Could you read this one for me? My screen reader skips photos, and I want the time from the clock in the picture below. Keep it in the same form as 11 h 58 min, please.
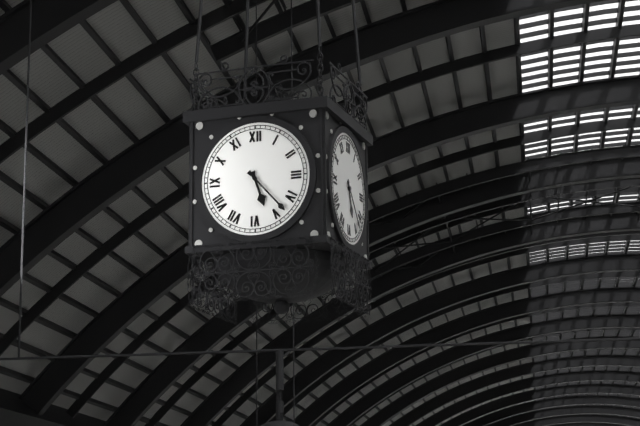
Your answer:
5 h 23 min
